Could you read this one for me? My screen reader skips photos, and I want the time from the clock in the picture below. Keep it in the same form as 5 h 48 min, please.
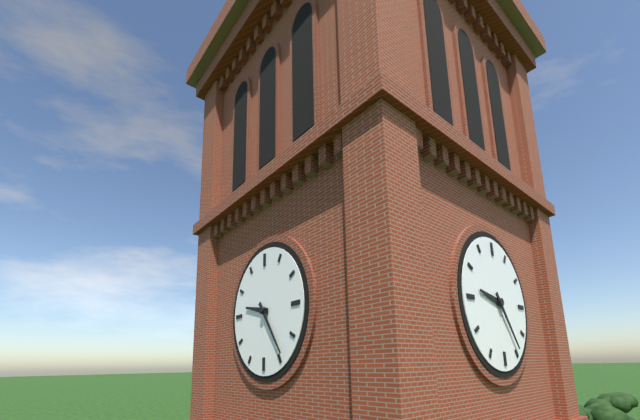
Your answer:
9 h 24 min
